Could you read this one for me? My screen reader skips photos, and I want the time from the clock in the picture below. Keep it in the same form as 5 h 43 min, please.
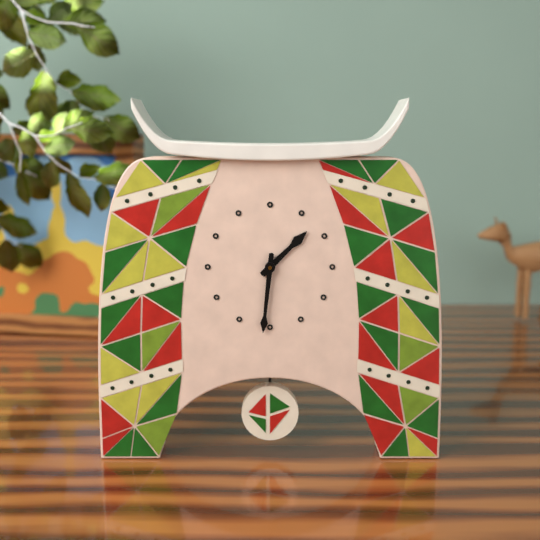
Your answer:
1 h 31 min
